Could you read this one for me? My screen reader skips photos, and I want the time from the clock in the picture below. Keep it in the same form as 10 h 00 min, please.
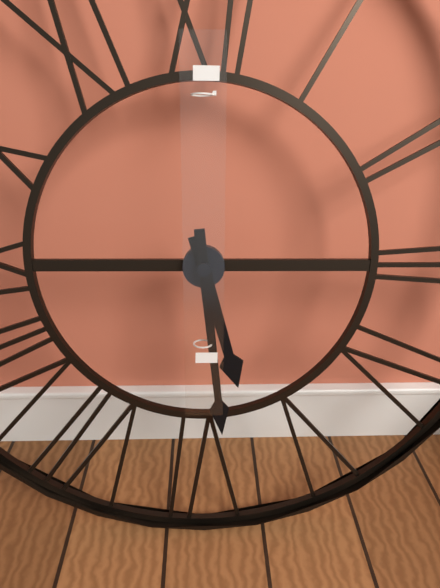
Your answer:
5 h 29 min
